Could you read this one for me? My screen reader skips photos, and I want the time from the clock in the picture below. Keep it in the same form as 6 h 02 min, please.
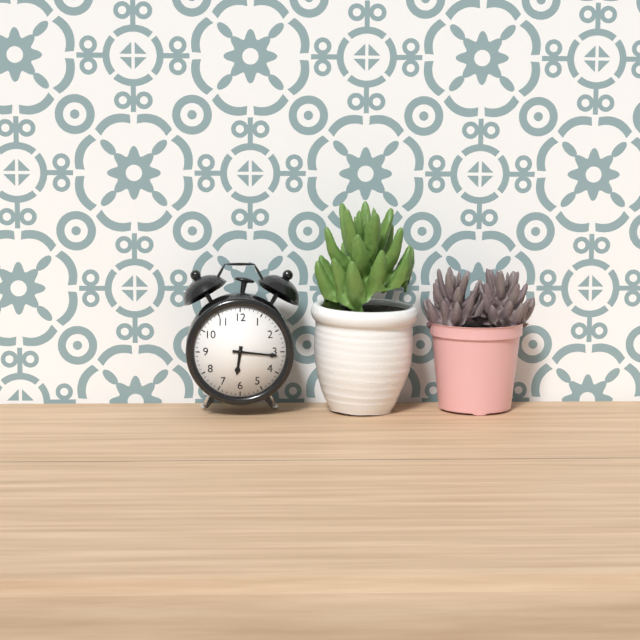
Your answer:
6 h 16 min
